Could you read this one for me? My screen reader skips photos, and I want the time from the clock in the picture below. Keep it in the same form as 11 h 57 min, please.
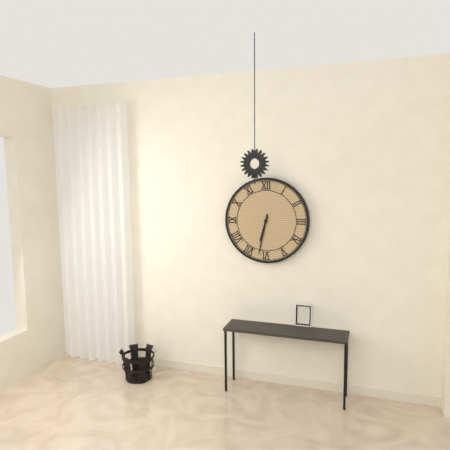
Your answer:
6 h 32 min
